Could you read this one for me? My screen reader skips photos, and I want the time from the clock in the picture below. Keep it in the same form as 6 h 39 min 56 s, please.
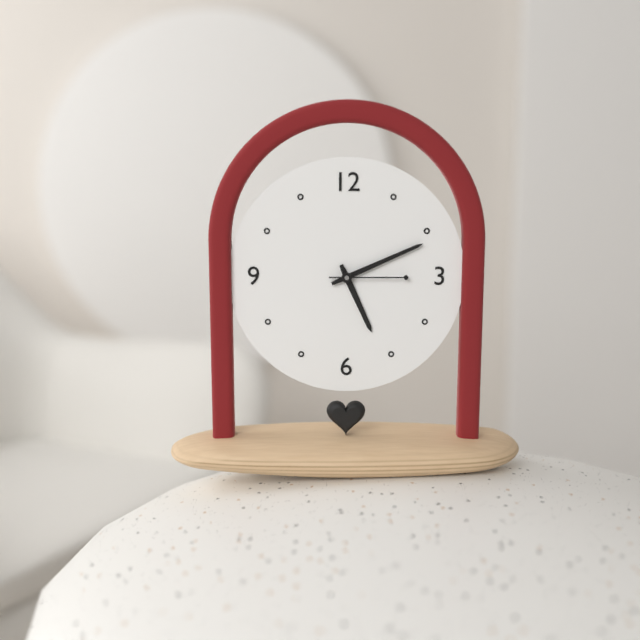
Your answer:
5 h 11 min 15 s
